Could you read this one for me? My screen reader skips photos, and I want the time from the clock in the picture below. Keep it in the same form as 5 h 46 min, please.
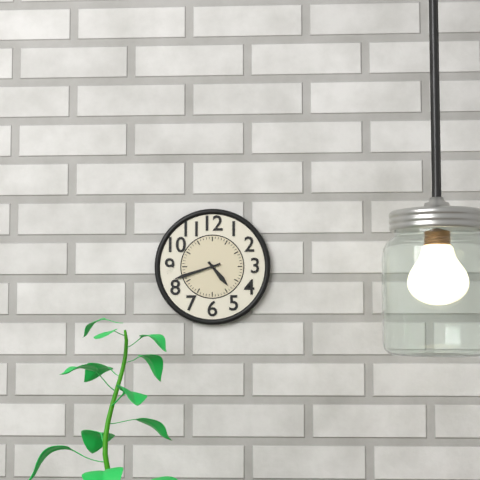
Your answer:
4 h 42 min
